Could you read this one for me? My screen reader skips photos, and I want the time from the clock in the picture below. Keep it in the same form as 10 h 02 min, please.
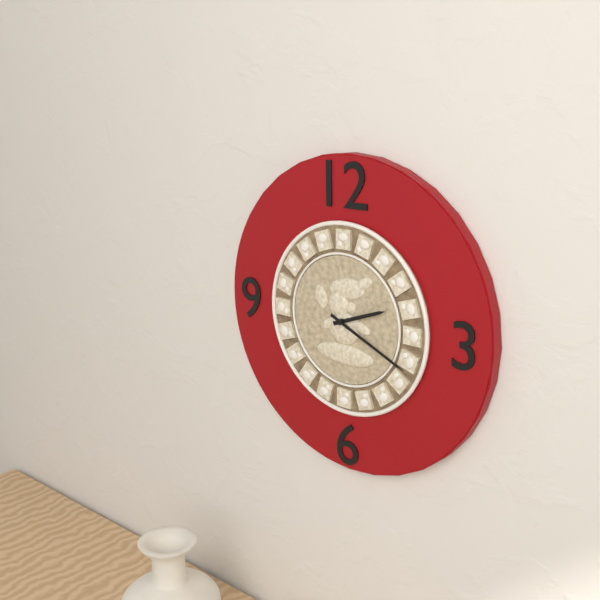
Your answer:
2 h 19 min
